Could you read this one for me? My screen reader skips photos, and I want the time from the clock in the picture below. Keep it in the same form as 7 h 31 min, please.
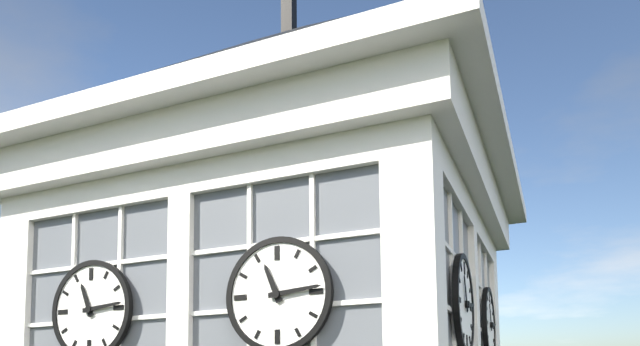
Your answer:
11 h 14 min
